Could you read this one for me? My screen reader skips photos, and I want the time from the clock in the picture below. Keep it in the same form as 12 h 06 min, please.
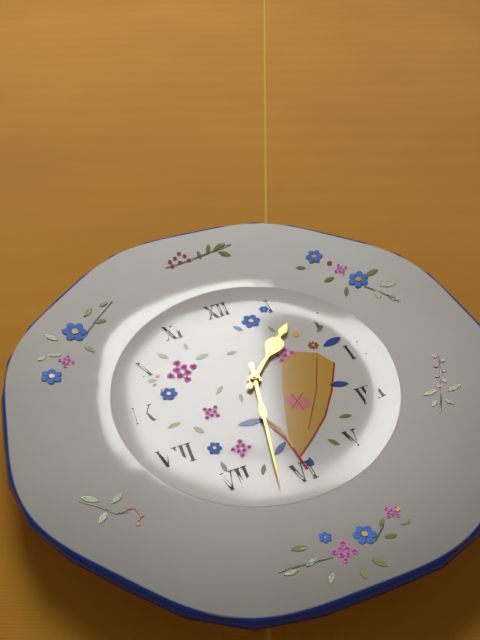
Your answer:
1 h 32 min
